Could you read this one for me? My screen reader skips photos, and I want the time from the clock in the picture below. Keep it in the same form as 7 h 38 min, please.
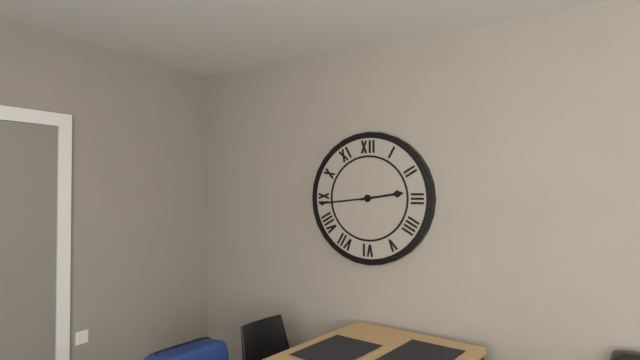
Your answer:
2 h 44 min
